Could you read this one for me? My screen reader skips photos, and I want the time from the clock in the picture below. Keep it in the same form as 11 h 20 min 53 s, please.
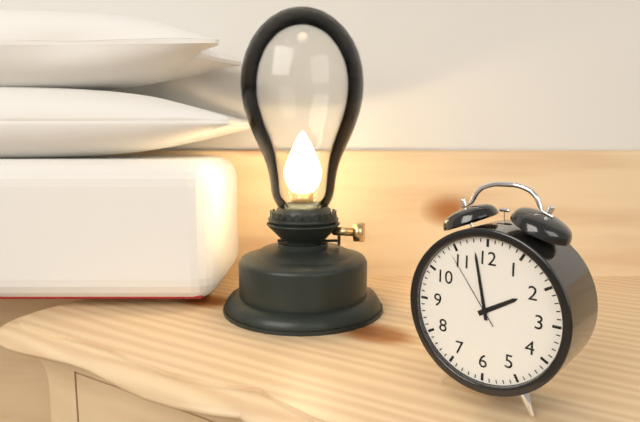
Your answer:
1 h 58 min 54 s
